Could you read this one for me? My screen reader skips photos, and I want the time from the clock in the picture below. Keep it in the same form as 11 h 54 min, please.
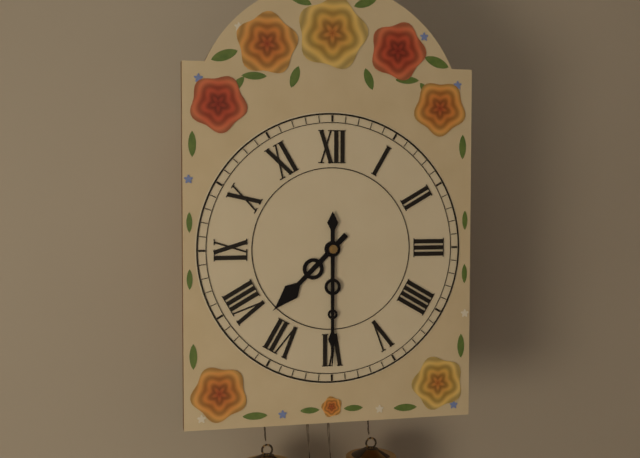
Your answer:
7 h 30 min
